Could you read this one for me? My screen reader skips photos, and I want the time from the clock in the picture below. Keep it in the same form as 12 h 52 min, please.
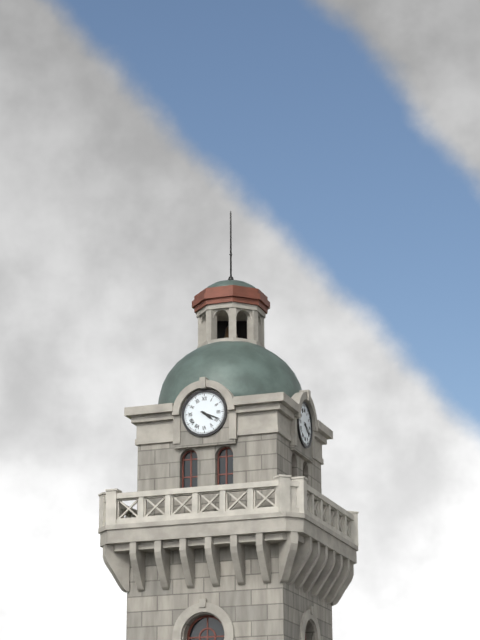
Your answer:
4 h 19 min
